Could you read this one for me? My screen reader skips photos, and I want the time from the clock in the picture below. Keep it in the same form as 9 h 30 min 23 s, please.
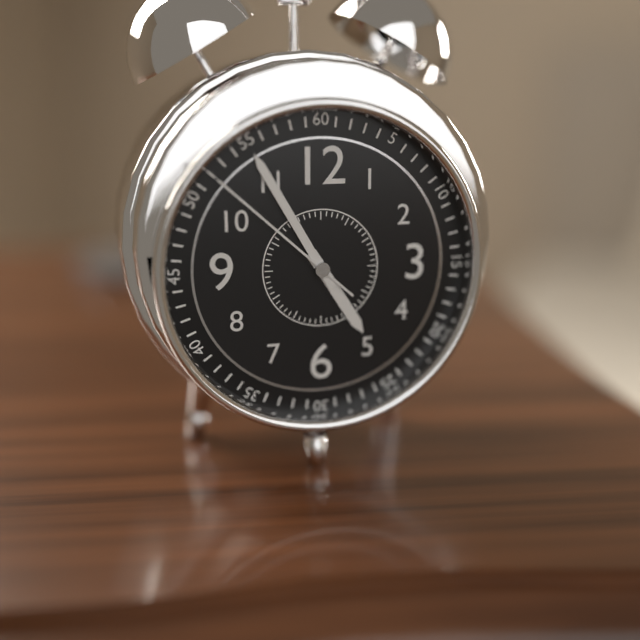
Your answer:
4 h 55 min 52 s
